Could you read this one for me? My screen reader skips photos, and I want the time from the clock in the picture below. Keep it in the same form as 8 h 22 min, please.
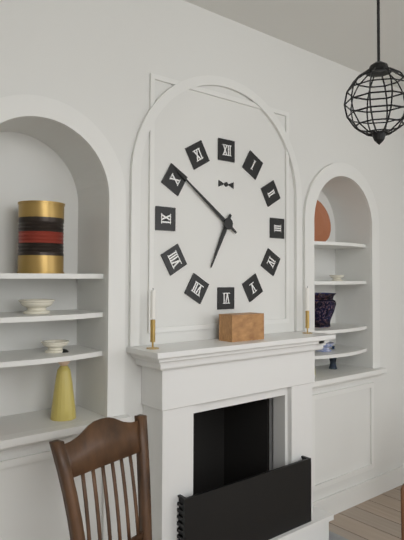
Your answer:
6 h 51 min
